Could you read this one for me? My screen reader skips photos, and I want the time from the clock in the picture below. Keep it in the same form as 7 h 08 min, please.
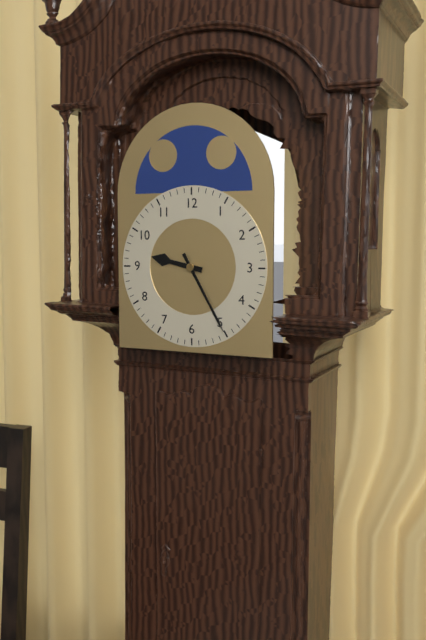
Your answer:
9 h 25 min
